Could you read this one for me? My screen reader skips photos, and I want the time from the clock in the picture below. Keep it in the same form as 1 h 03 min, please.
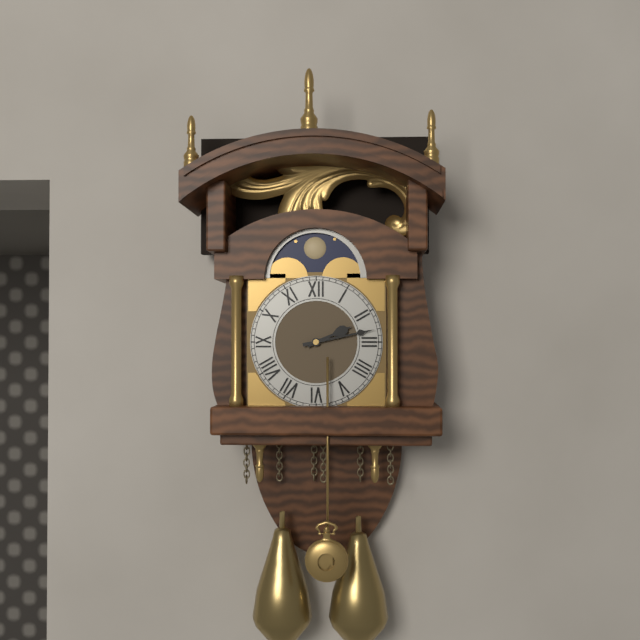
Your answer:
2 h 13 min
